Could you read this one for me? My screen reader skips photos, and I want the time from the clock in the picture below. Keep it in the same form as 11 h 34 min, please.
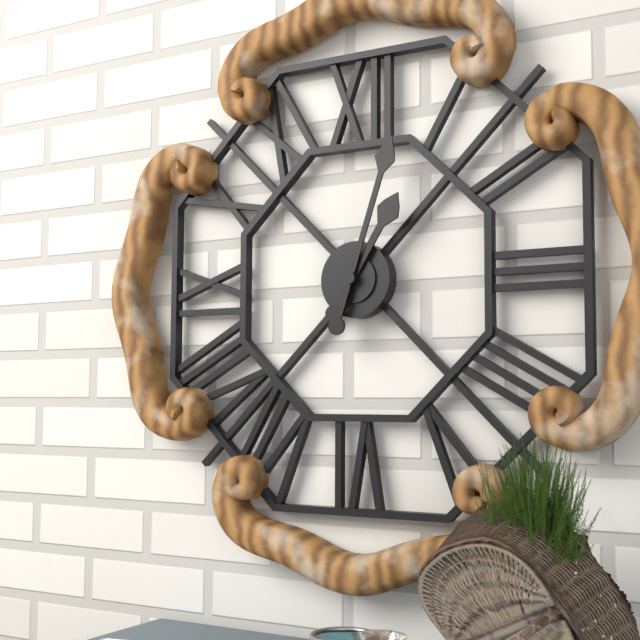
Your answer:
1 h 03 min
